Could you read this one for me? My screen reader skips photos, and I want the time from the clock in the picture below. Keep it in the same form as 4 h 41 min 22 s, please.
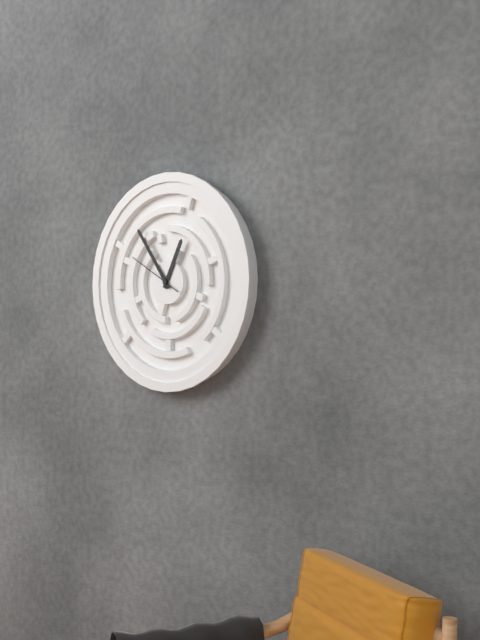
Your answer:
12 h 54 min 50 s
